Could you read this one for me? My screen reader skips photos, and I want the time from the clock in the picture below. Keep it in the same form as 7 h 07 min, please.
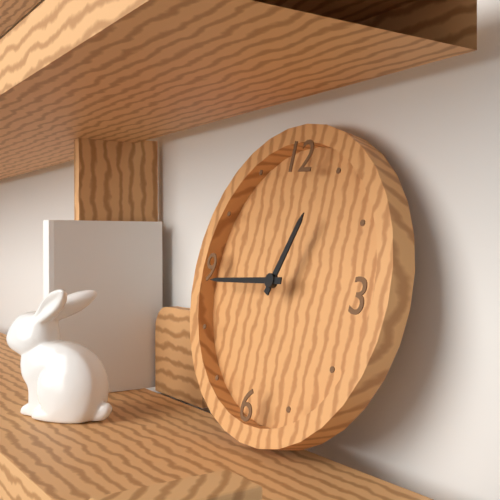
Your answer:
12 h 44 min
